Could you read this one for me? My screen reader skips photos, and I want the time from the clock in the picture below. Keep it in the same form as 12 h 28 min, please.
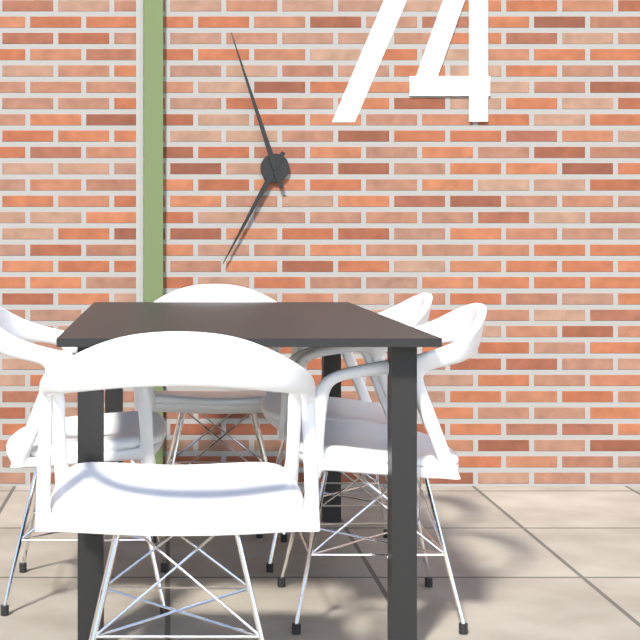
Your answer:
6 h 57 min
